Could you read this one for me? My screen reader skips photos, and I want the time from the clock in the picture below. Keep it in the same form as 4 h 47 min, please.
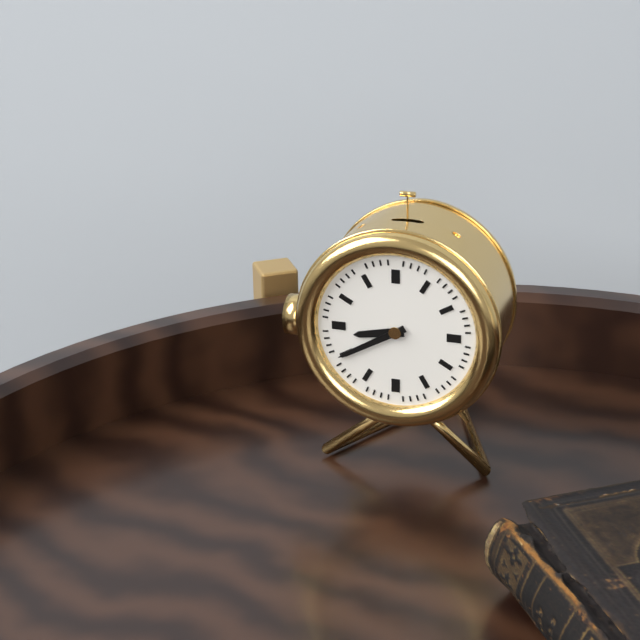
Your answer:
8 h 40 min
